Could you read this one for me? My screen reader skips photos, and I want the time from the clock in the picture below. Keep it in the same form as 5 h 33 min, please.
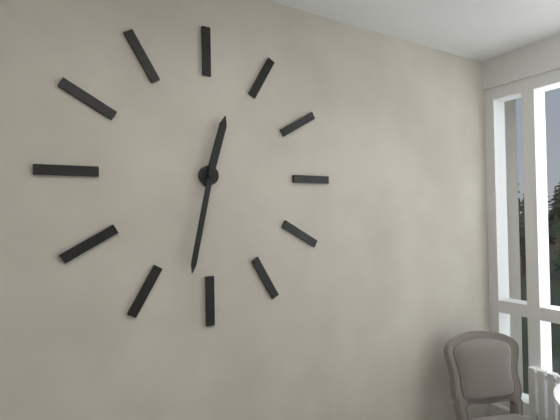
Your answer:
12 h 32 min
